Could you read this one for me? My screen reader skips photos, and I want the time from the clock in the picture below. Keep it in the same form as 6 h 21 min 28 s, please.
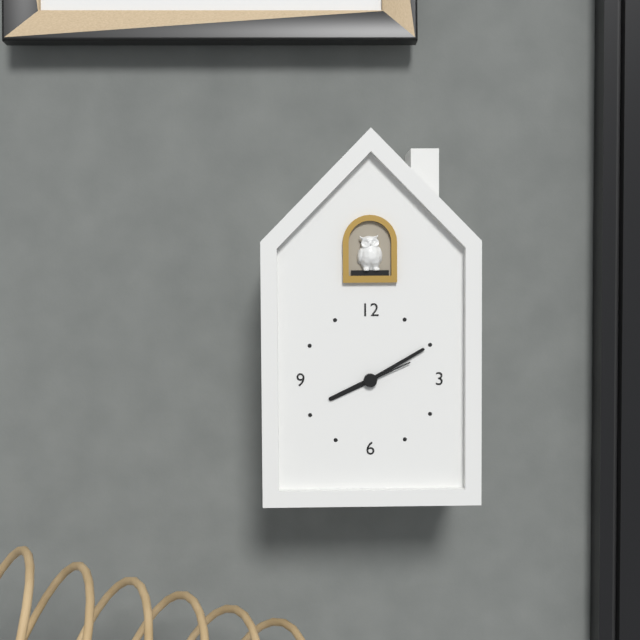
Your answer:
8 h 10 min 11 s
